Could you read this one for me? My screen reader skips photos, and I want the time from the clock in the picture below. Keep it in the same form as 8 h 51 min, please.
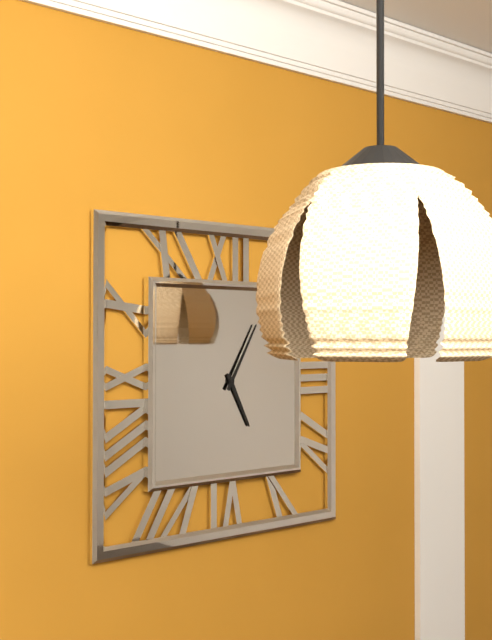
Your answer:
5 h 05 min
